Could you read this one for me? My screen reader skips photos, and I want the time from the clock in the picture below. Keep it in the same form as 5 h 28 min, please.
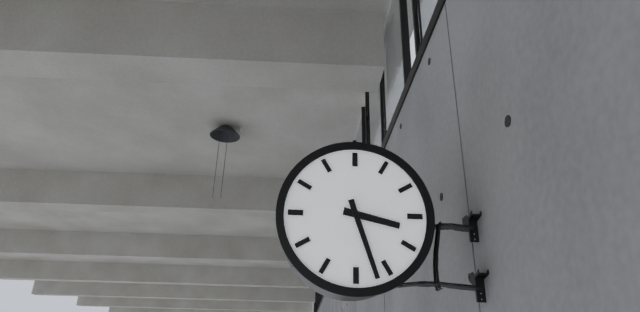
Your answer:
3 h 27 min
